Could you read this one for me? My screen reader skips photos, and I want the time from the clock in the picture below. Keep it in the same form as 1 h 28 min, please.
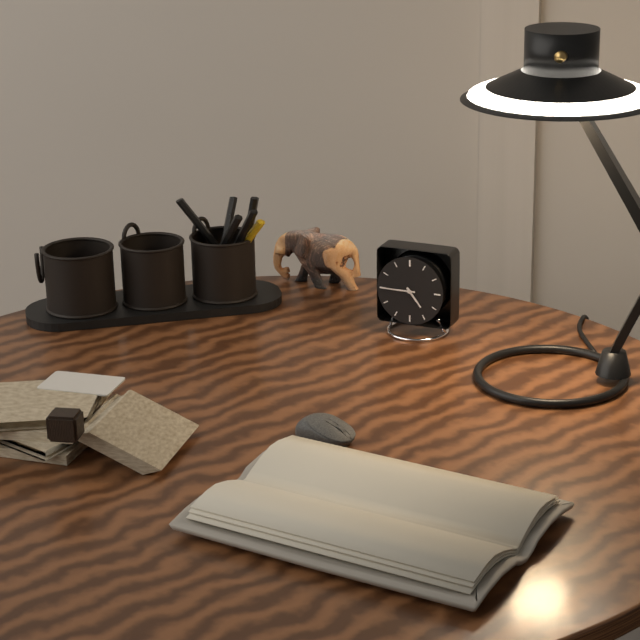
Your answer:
4 h 45 min
